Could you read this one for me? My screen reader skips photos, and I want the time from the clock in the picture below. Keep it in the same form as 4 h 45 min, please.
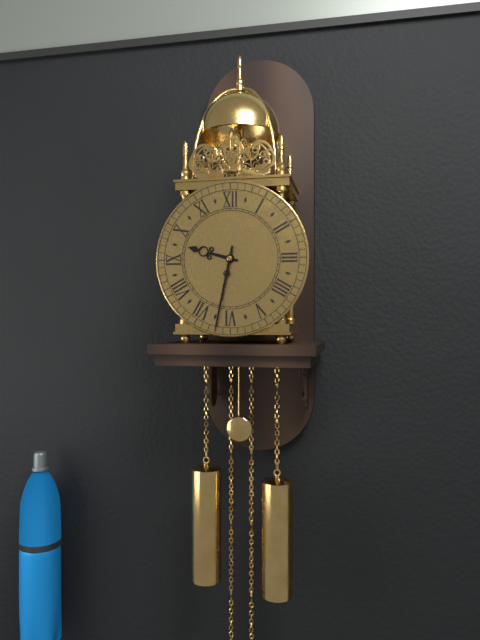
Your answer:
9 h 32 min
